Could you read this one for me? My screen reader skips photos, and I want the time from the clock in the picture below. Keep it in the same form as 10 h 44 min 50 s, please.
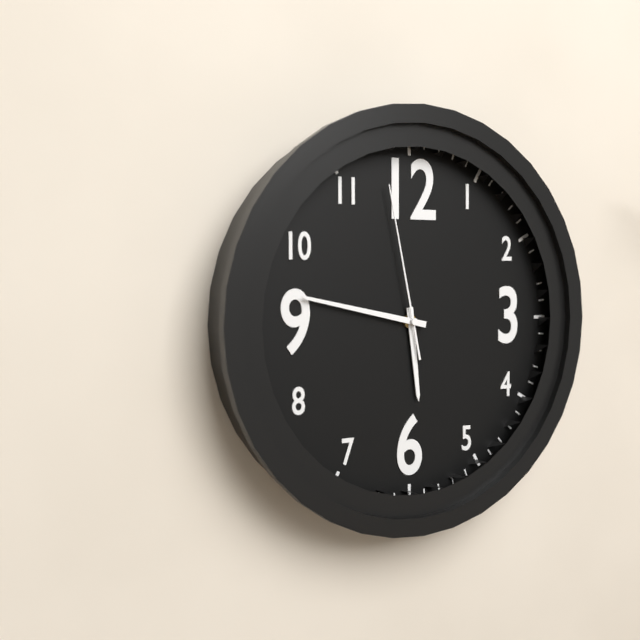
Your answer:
5 h 47 min 58 s
